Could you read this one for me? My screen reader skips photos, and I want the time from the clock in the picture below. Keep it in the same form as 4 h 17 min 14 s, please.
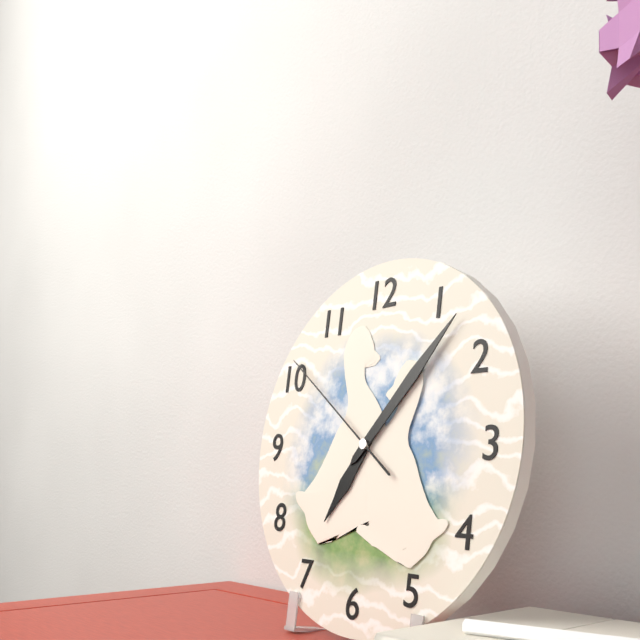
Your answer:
7 h 07 min 51 s
